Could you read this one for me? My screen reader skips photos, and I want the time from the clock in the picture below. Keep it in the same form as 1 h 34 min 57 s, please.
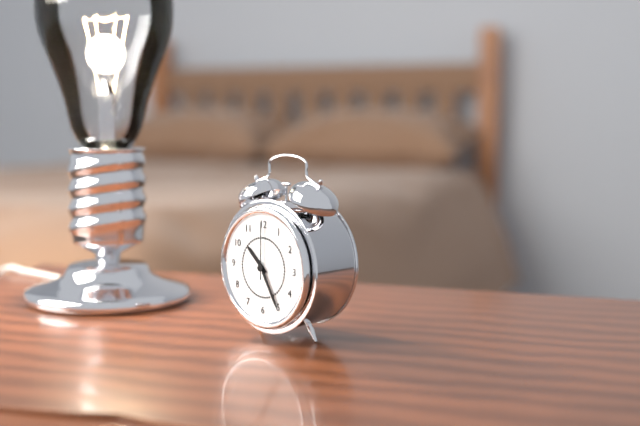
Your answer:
10 h 25 min 00 s
